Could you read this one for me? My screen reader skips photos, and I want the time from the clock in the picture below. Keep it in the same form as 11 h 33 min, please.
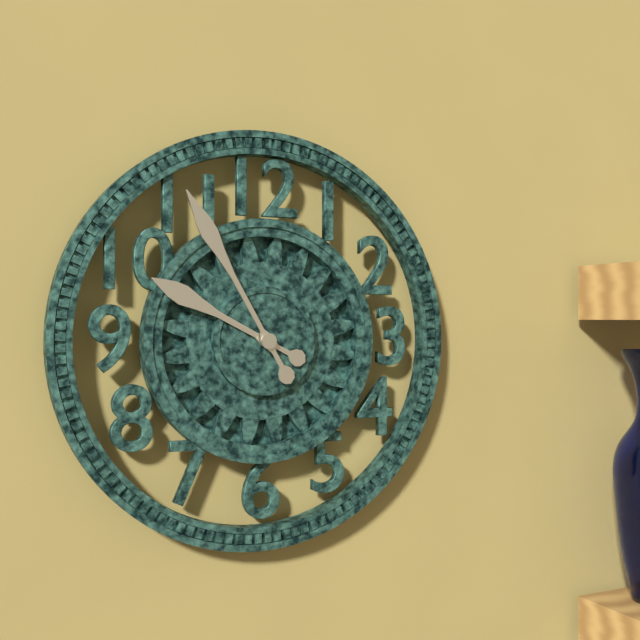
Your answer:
9 h 55 min
